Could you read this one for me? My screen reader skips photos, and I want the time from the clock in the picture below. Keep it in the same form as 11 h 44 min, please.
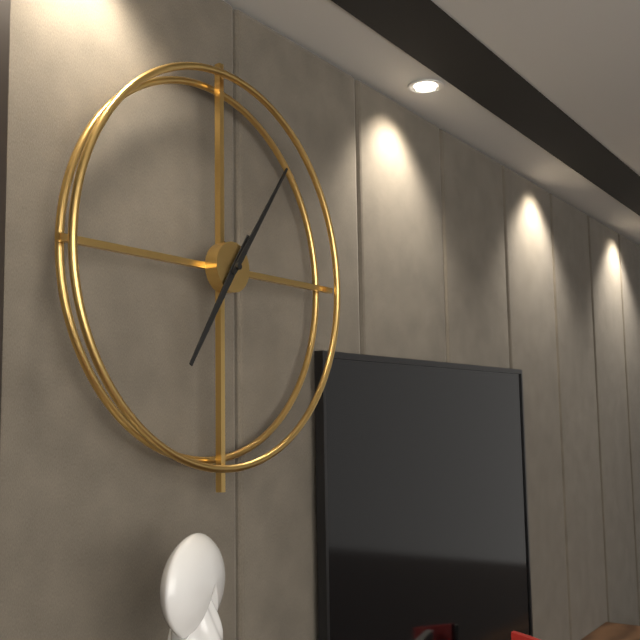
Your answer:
7 h 06 min
